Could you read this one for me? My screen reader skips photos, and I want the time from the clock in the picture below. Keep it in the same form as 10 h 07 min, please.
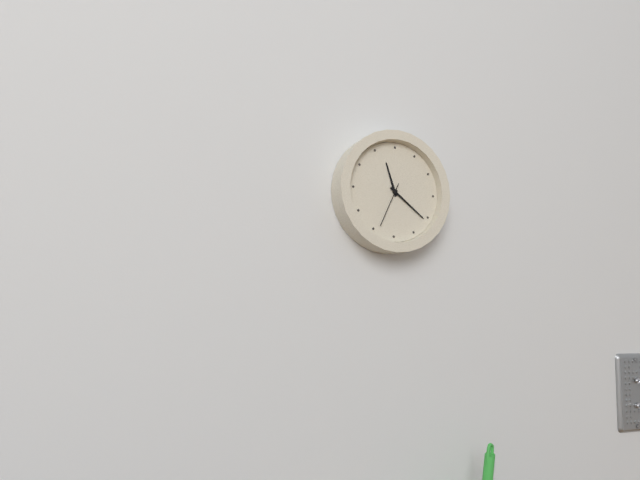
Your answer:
11 h 21 min
